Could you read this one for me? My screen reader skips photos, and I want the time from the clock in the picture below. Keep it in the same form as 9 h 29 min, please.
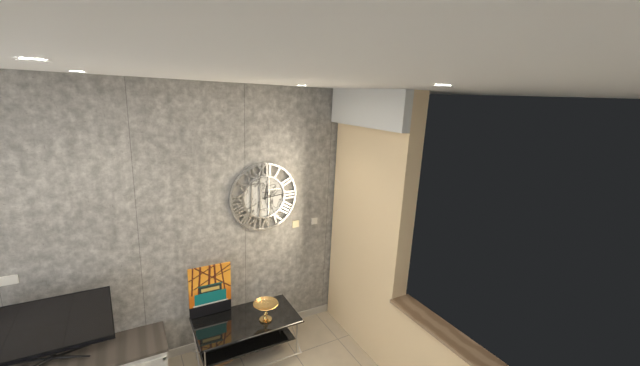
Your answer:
12 h 14 min
